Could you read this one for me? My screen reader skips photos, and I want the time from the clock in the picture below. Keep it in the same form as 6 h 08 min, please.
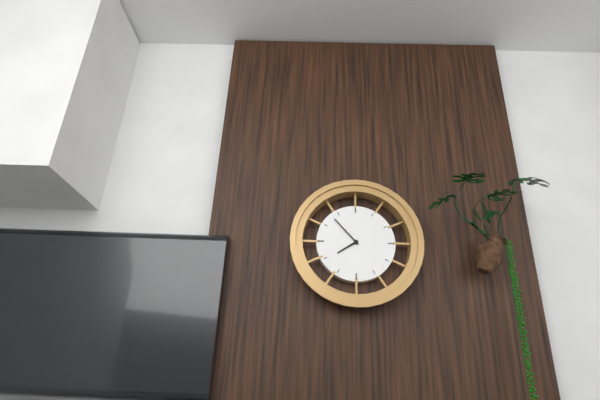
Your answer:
7 h 53 min
